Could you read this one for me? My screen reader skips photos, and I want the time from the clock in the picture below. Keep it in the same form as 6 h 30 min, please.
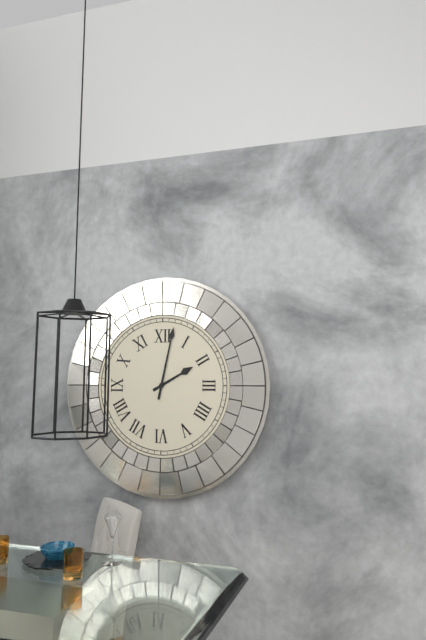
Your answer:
2 h 02 min
